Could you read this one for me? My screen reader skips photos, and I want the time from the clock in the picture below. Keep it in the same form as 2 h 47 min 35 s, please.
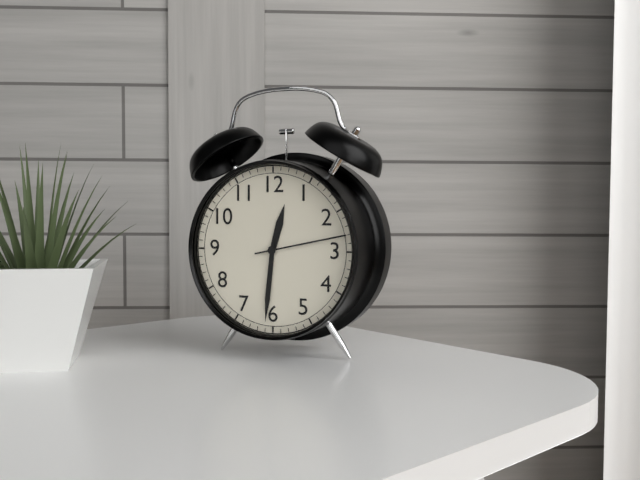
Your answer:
12 h 31 min 13 s
